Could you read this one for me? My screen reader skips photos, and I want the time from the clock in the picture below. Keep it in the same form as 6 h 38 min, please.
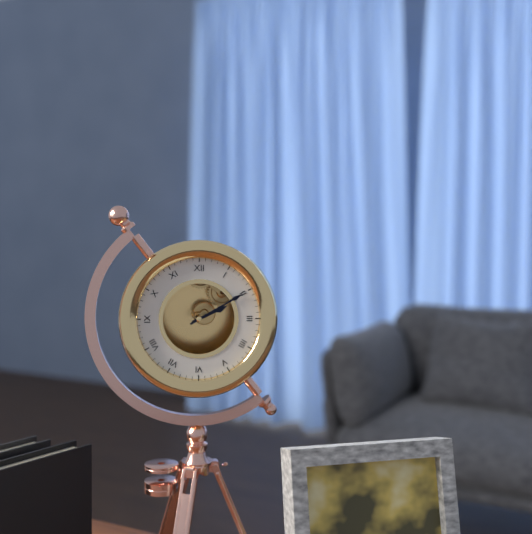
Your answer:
2 h 10 min
